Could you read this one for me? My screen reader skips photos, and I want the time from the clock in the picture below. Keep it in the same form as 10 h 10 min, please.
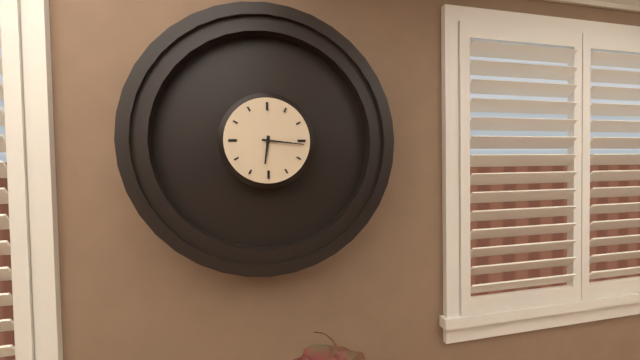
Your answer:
6 h 16 min
